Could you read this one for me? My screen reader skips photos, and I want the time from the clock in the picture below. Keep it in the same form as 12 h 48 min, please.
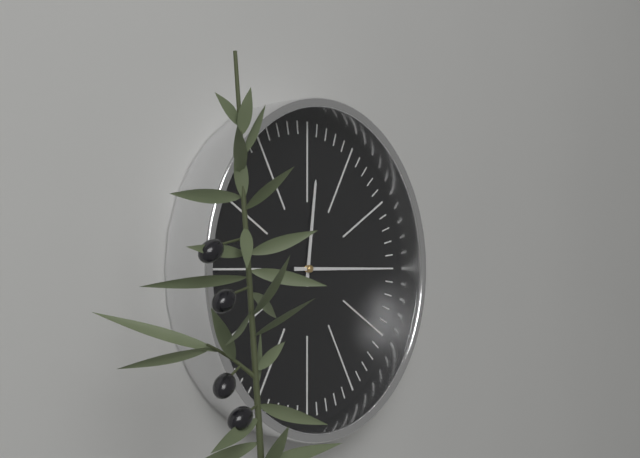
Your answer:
12 h 15 min
